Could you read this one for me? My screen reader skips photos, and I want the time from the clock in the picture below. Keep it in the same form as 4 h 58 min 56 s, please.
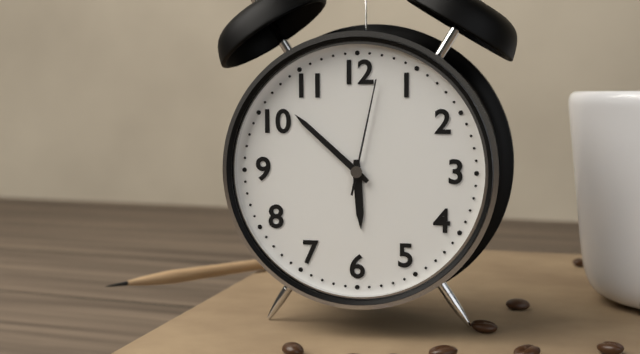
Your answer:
5 h 52 min 02 s
